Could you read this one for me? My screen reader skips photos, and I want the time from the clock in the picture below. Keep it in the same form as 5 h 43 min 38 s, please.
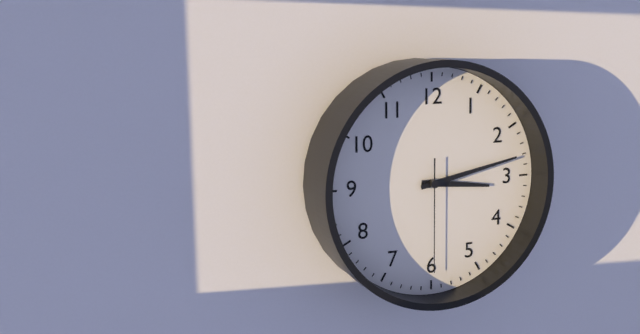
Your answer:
3 h 13 min 30 s
